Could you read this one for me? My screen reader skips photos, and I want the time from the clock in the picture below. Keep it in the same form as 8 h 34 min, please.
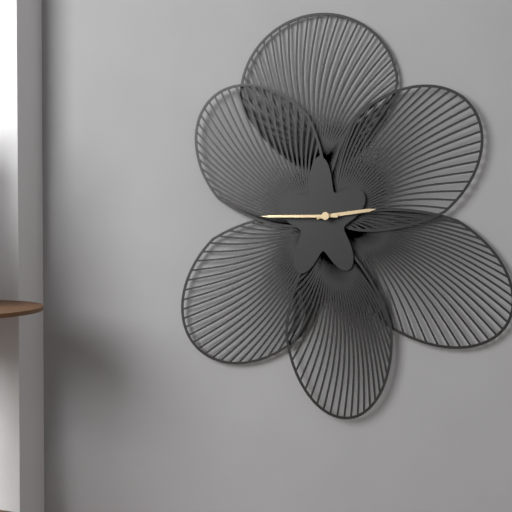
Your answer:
2 h 45 min
